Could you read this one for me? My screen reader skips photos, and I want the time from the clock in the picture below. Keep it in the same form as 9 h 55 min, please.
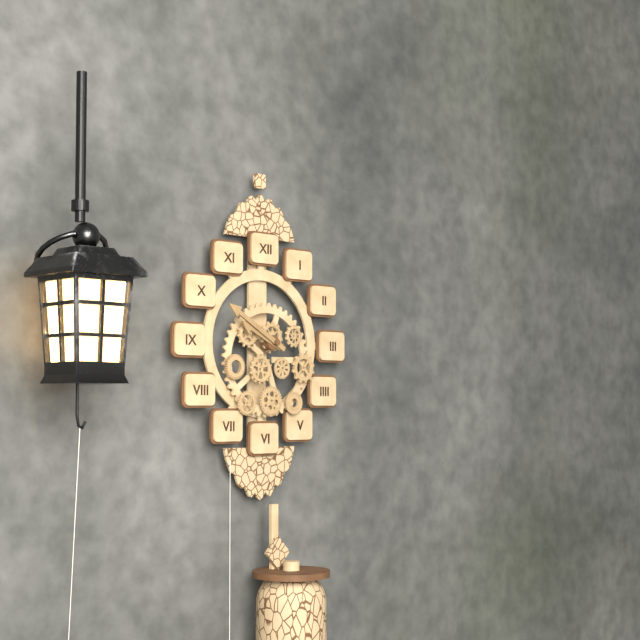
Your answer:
9 h 50 min
